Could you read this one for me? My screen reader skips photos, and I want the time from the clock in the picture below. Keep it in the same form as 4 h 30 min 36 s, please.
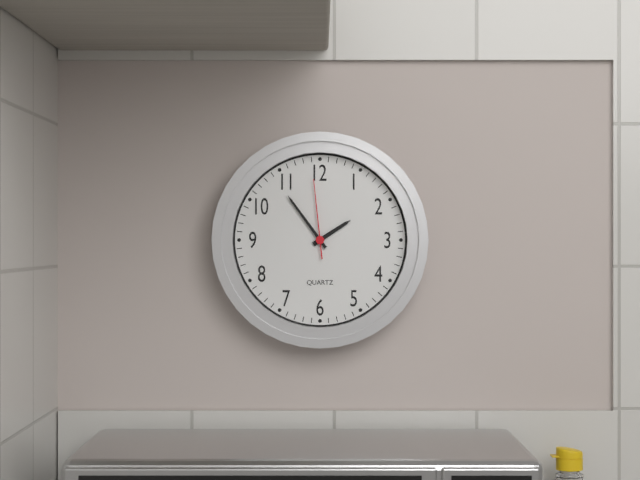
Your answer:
1 h 54 min 59 s
